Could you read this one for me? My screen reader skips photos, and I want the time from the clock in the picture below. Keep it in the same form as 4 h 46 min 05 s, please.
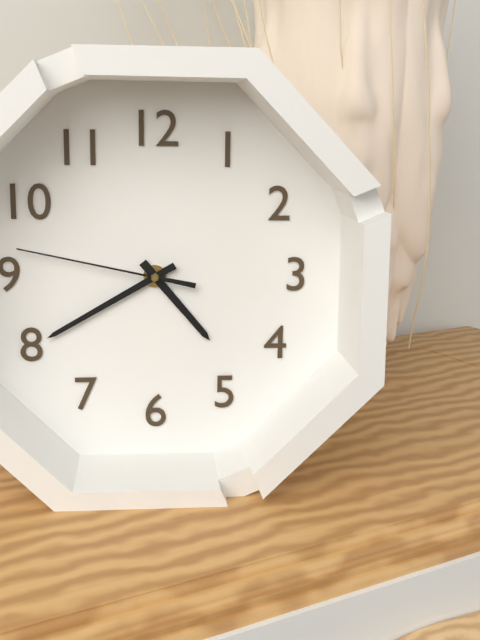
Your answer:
4 h 40 min 47 s
